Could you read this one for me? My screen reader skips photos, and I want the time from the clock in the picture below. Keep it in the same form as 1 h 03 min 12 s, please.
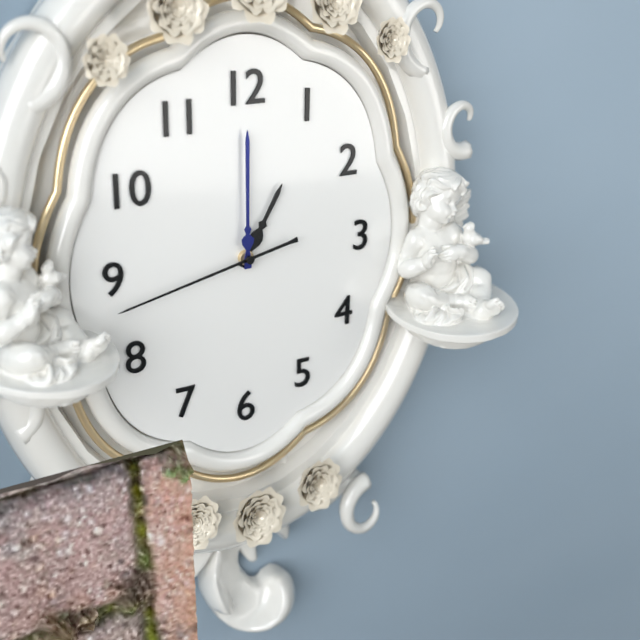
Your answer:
1 h 00 min 43 s
